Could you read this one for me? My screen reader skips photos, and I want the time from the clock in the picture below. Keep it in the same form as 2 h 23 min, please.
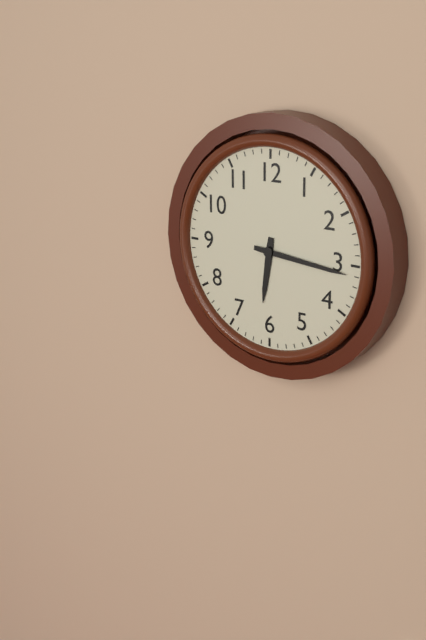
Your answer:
6 h 16 min
